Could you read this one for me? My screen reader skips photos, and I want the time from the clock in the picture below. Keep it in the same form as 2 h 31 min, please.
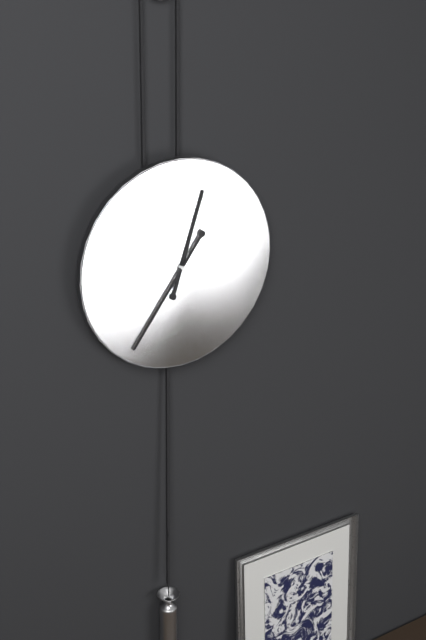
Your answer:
12 h 36 min
